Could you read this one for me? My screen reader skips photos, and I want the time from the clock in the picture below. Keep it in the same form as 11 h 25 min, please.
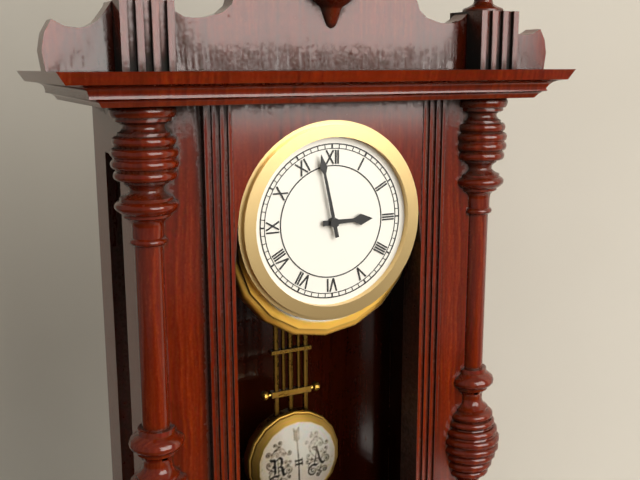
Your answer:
2 h 58 min
